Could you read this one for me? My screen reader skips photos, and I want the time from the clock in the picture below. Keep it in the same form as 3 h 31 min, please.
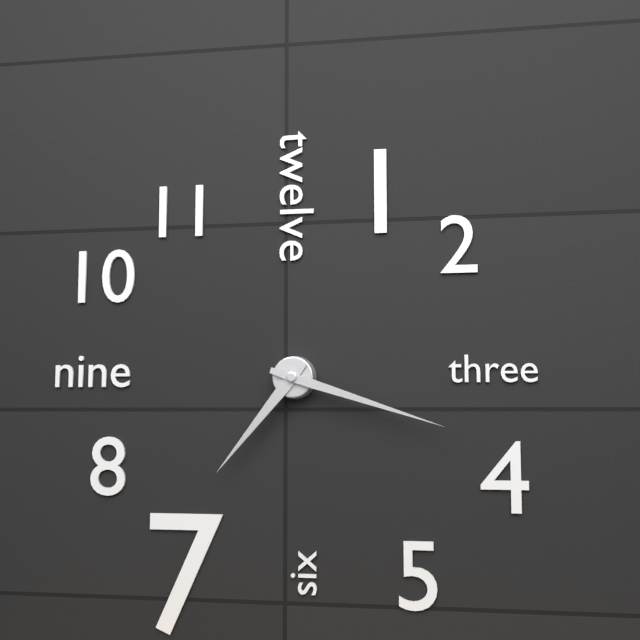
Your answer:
7 h 18 min
